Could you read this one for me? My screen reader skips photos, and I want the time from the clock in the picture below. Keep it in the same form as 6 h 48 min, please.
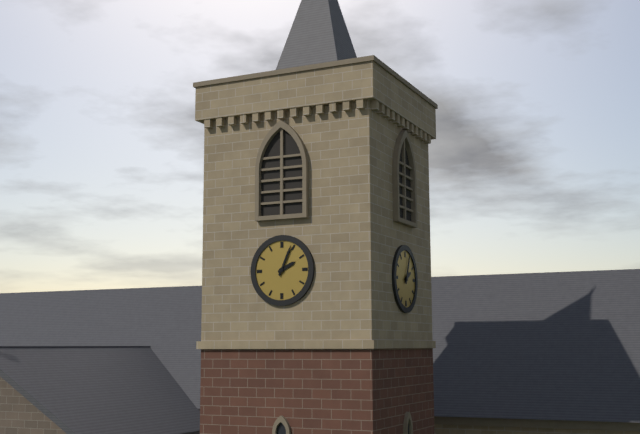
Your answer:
2 h 04 min
